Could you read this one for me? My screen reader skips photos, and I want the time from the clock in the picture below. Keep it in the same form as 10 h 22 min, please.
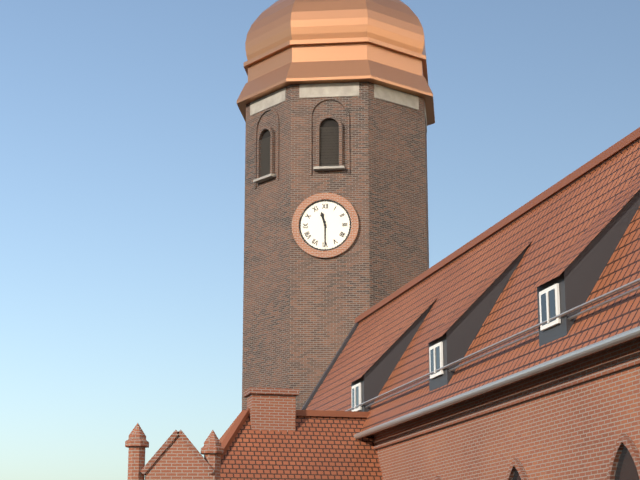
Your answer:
11 h 30 min
